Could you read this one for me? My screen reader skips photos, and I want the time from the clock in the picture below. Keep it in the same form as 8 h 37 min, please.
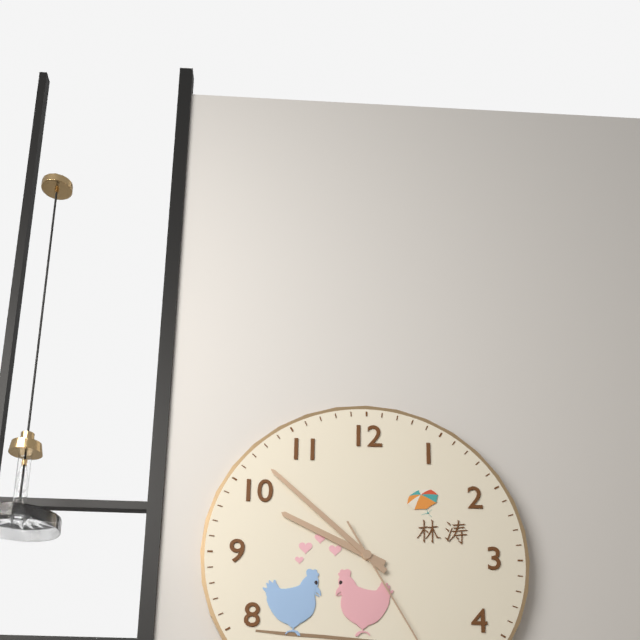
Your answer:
9 h 52 min
